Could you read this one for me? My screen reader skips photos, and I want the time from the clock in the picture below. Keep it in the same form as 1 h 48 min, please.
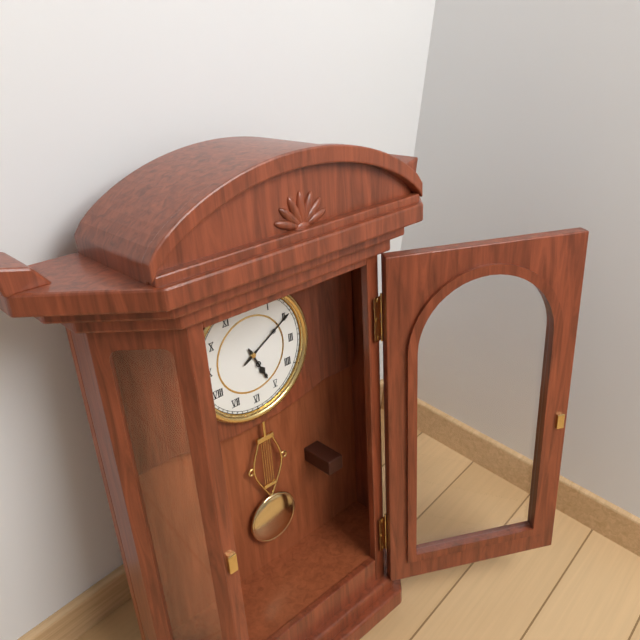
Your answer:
5 h 10 min
